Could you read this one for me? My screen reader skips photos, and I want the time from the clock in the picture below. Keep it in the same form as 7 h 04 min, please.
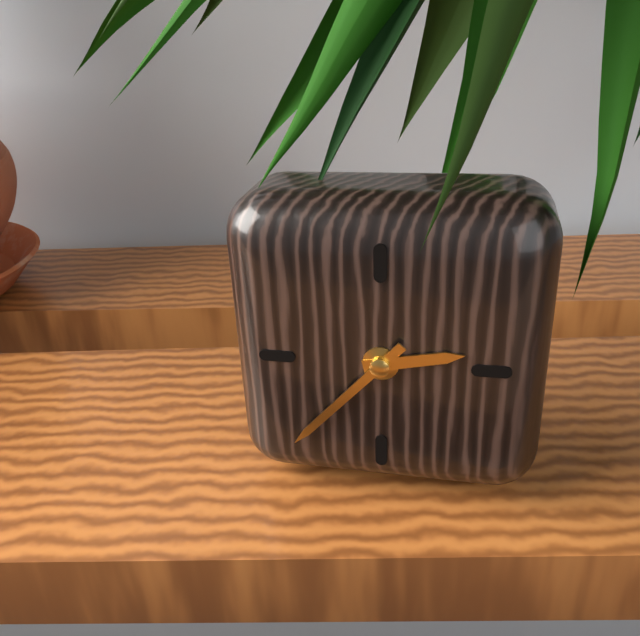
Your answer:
2 h 37 min
